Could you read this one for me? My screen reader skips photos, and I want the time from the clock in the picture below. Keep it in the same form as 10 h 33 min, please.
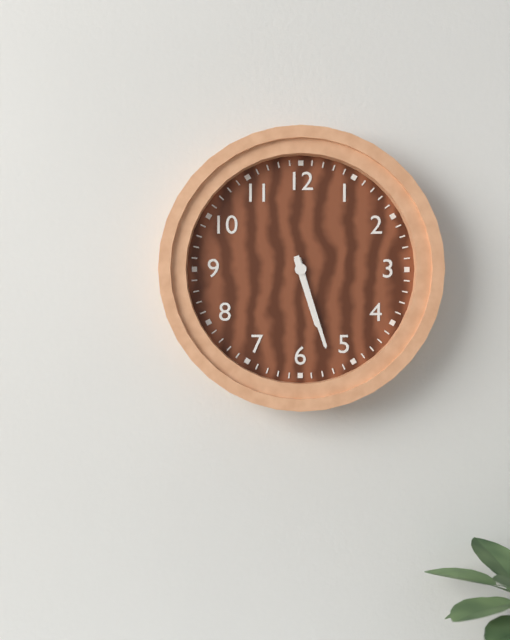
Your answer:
5 h 27 min
